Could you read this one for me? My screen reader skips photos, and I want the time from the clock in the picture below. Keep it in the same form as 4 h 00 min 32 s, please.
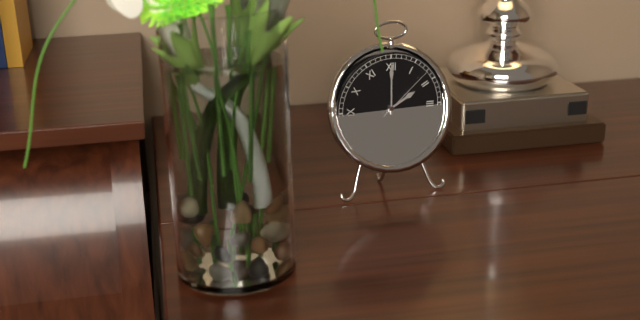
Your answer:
2 h 00 min 08 s
